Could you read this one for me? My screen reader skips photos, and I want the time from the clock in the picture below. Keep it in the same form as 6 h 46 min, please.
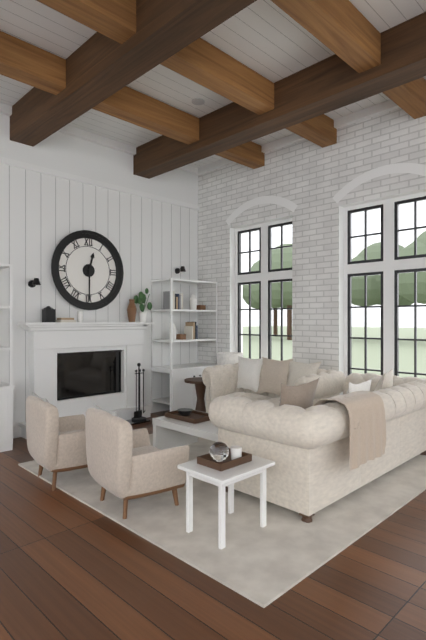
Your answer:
12 h 30 min
